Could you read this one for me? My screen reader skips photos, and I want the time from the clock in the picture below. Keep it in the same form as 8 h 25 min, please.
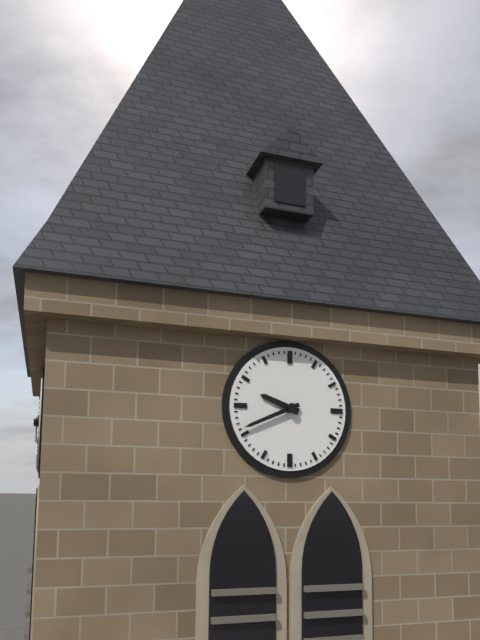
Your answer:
9 h 41 min
